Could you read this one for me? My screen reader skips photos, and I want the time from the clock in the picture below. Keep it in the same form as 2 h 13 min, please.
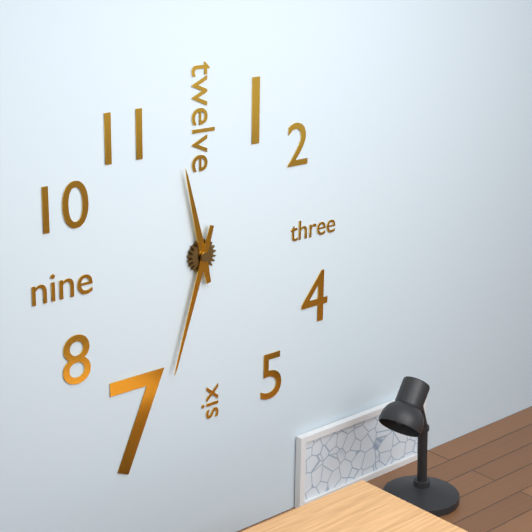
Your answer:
11 h 33 min
